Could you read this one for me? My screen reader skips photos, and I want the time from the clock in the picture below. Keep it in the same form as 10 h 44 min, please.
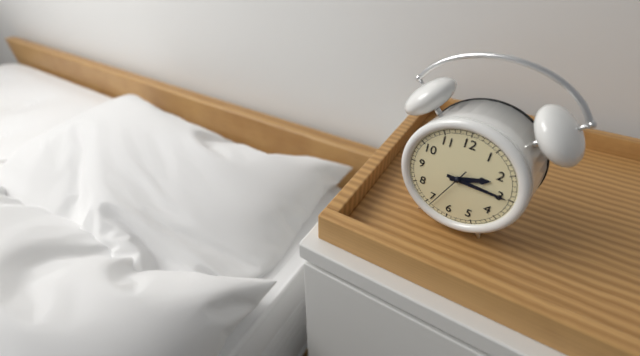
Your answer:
2 h 15 min
